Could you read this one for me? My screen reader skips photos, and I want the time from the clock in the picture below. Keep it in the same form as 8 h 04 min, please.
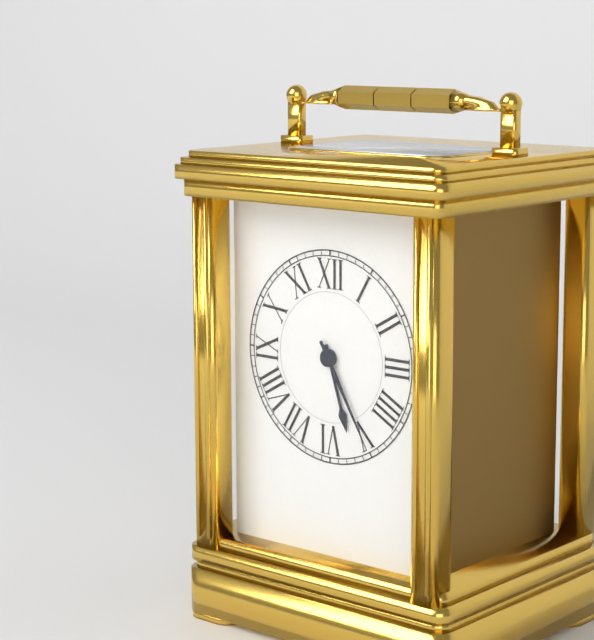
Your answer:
5 h 25 min
